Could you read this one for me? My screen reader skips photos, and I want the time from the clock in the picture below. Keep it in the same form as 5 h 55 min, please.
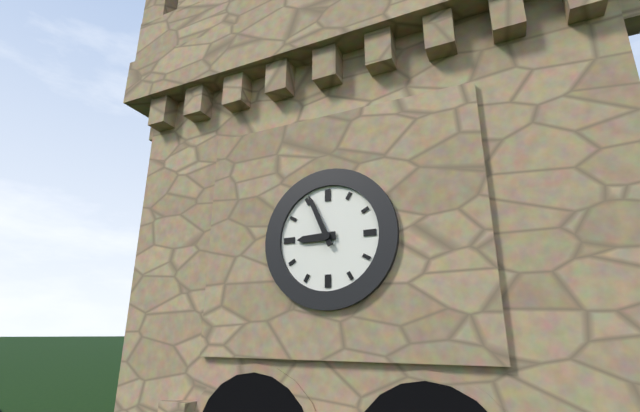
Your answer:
8 h 56 min
